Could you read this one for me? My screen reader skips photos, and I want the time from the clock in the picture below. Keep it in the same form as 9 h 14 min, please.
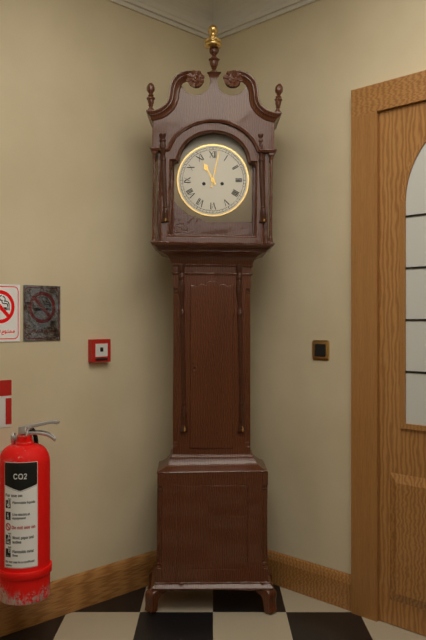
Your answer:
11 h 02 min
